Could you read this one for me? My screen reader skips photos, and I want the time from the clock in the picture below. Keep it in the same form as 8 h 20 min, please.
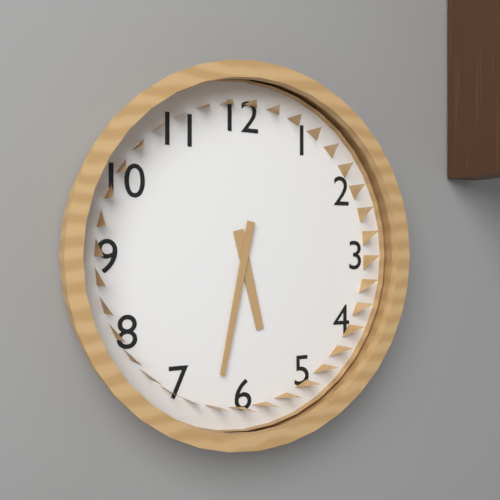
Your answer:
5 h 32 min
